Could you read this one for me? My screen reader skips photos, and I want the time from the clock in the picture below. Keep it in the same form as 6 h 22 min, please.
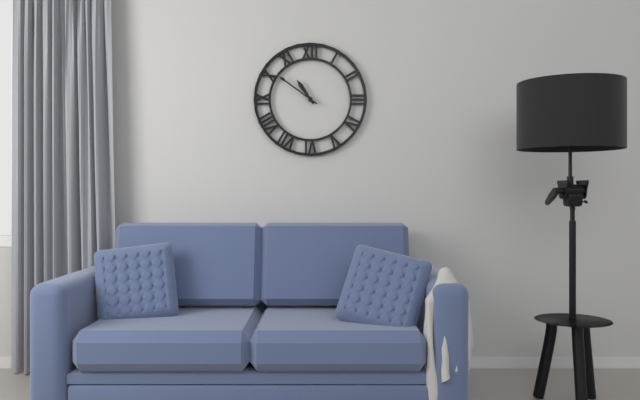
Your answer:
10 h 51 min
